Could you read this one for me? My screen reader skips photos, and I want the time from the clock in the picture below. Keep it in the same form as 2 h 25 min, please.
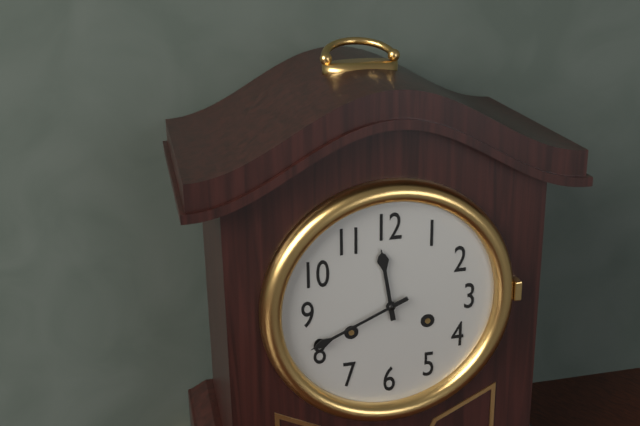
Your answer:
11 h 41 min
